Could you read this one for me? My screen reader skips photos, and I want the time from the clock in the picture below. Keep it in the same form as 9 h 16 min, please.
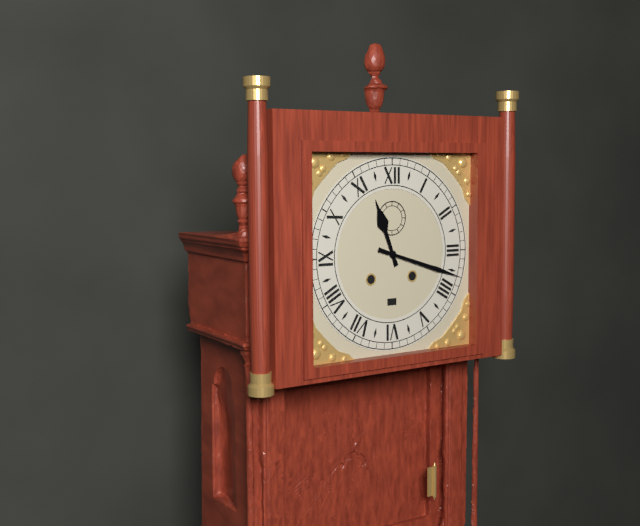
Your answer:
11 h 18 min
